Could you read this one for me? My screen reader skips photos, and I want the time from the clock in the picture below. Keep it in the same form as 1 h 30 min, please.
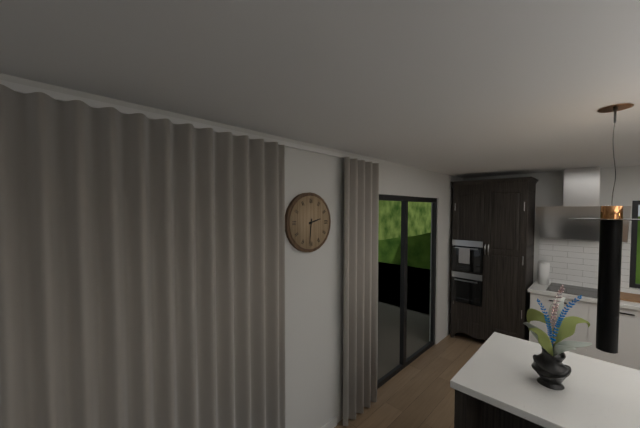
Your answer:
2 h 31 min
